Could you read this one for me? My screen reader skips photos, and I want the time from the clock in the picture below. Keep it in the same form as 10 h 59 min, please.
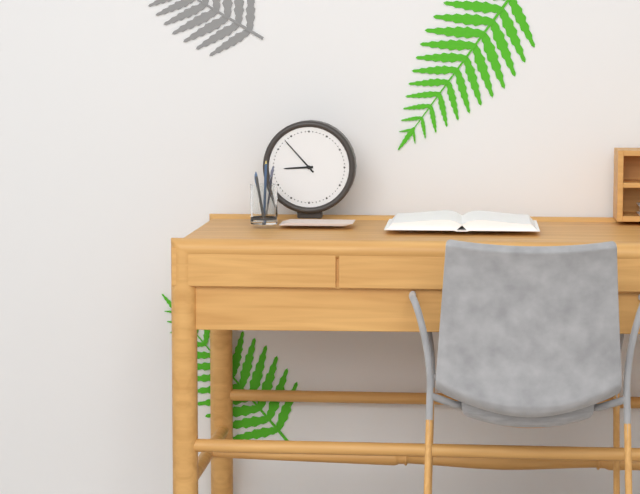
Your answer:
8 h 53 min
